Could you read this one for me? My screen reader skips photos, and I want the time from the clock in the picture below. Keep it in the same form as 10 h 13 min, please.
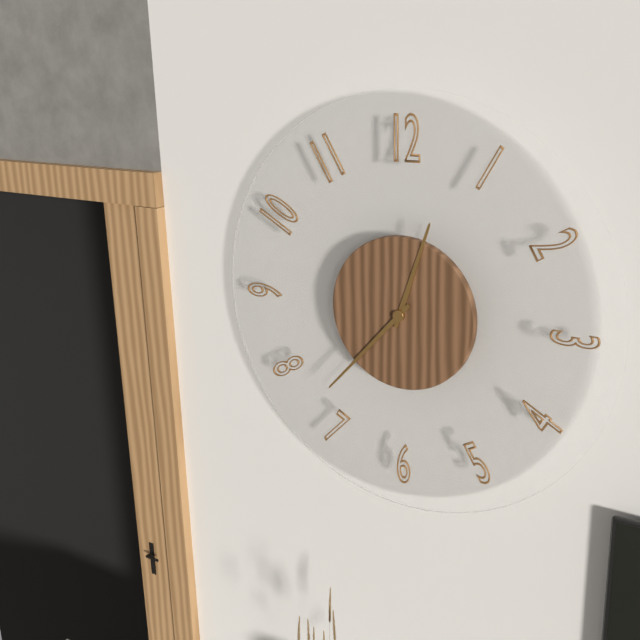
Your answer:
12 h 37 min
